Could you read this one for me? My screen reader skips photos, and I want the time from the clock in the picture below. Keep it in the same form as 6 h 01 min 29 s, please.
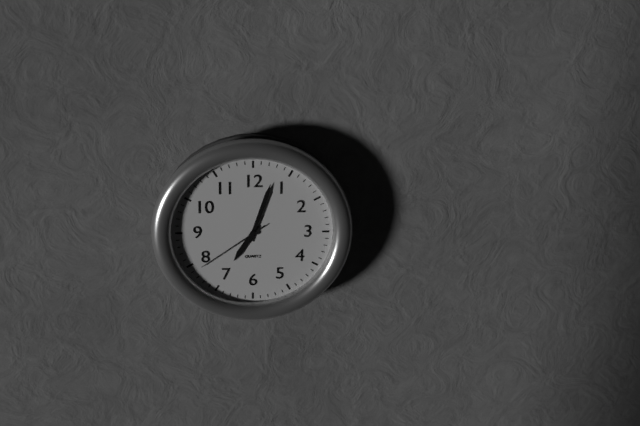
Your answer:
7 h 03 min 39 s
